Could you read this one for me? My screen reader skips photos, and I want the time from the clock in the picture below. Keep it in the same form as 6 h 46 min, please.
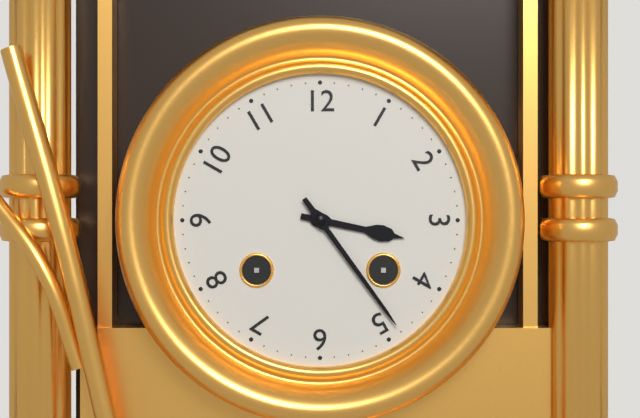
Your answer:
3 h 24 min
